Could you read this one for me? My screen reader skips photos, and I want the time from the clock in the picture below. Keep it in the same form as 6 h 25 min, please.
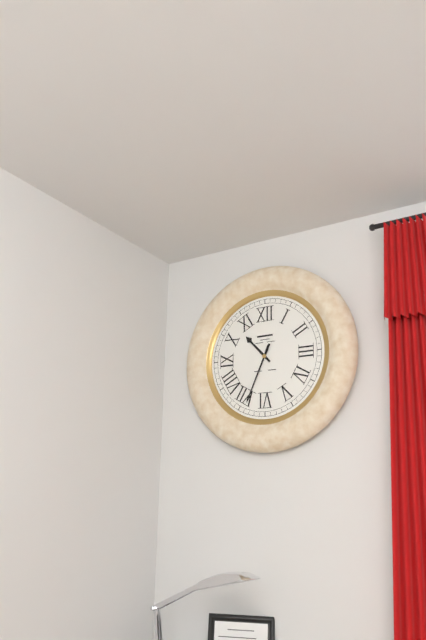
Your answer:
10 h 34 min
